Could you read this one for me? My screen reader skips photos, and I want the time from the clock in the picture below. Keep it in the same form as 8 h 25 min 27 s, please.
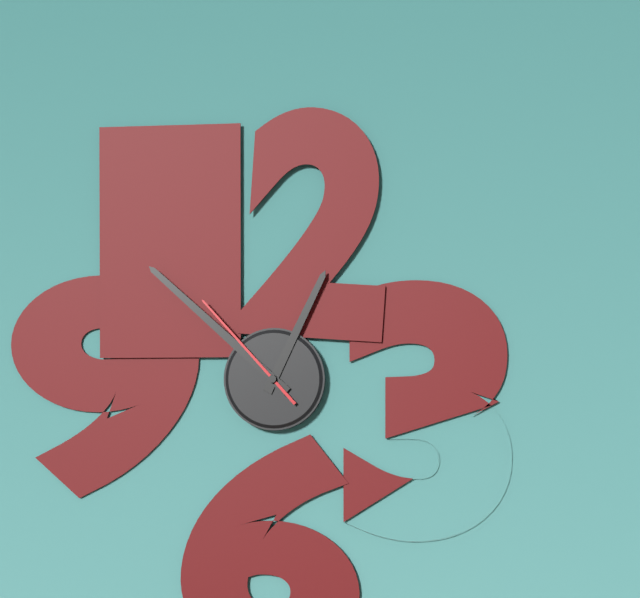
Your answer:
12 h 52 min 53 s
